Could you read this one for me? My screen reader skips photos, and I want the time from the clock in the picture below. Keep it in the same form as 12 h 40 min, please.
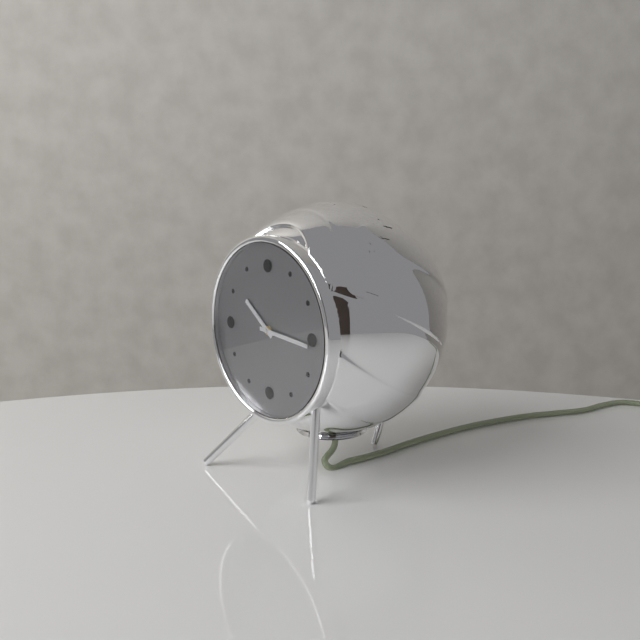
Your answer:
10 h 16 min
